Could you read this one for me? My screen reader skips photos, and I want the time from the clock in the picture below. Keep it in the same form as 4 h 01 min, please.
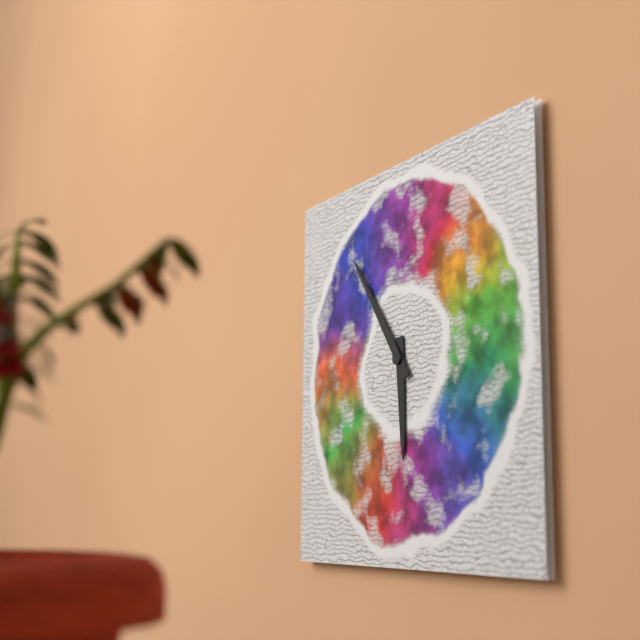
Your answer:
5 h 54 min
